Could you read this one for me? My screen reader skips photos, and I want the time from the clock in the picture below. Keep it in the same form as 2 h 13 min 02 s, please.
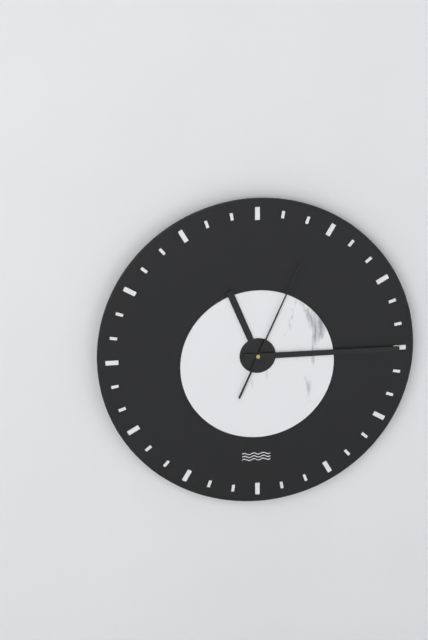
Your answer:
11 h 15 min 04 s
